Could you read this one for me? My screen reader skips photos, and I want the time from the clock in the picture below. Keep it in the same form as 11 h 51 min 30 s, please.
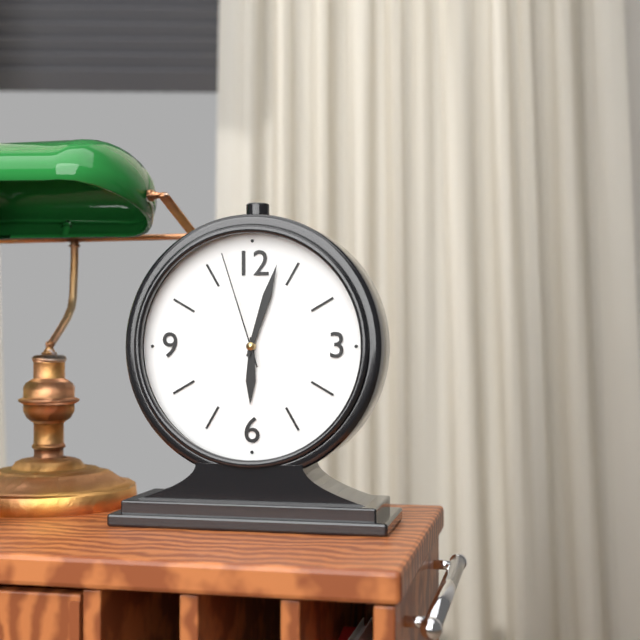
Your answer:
6 h 03 min 57 s
